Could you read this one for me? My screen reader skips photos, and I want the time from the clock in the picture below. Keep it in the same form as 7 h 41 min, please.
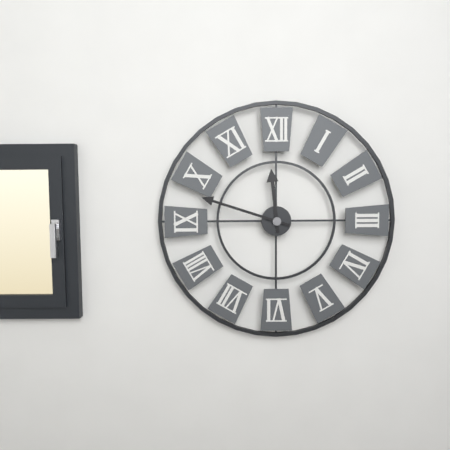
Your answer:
11 h 48 min
